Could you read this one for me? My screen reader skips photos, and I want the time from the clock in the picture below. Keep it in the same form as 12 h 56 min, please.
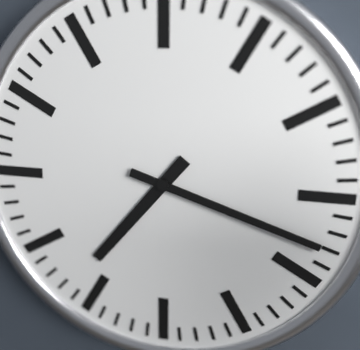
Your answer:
7 h 18 min
